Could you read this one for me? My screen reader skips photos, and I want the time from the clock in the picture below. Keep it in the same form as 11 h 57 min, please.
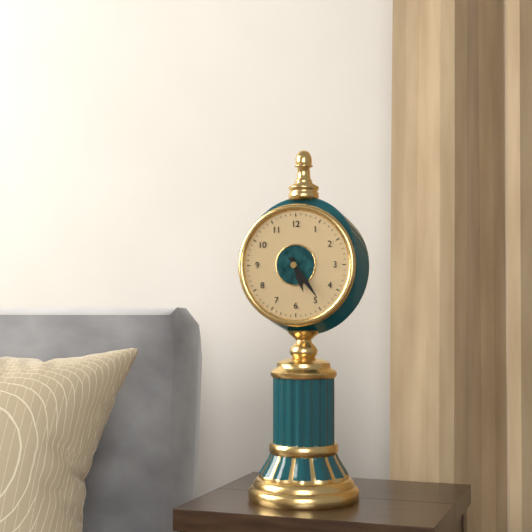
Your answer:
5 h 24 min
